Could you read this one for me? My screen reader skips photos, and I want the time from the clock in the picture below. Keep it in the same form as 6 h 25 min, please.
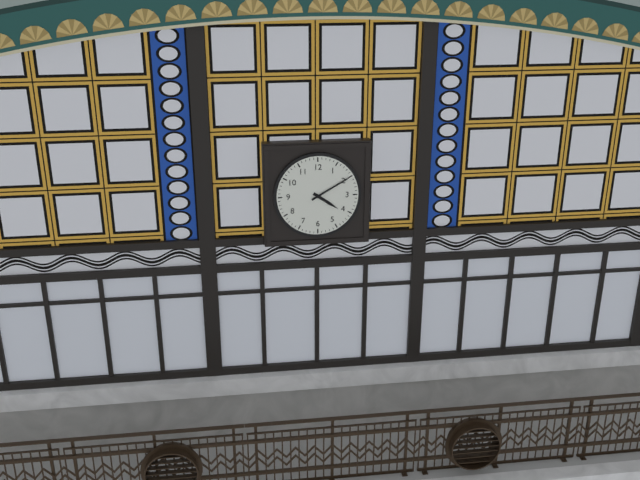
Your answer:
4 h 10 min
